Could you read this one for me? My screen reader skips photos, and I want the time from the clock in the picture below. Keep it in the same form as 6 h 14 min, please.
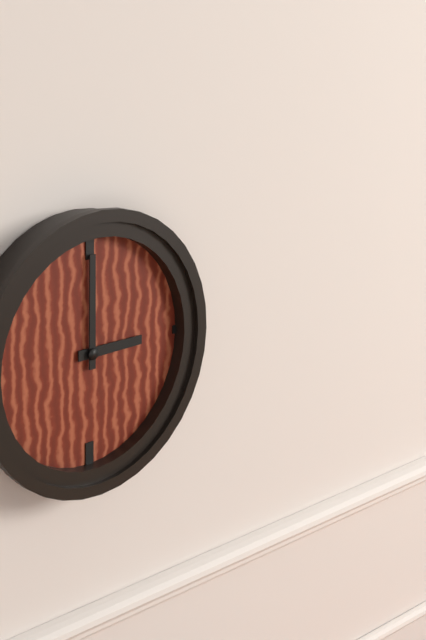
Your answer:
3 h 00 min
